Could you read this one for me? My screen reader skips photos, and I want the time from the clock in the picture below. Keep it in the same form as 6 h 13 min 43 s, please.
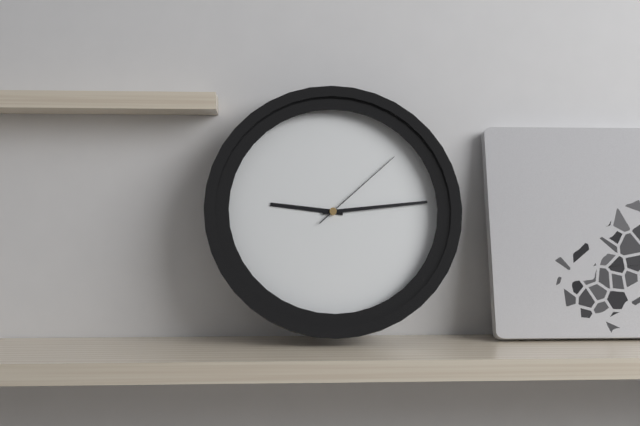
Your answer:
9 h 14 min 08 s
